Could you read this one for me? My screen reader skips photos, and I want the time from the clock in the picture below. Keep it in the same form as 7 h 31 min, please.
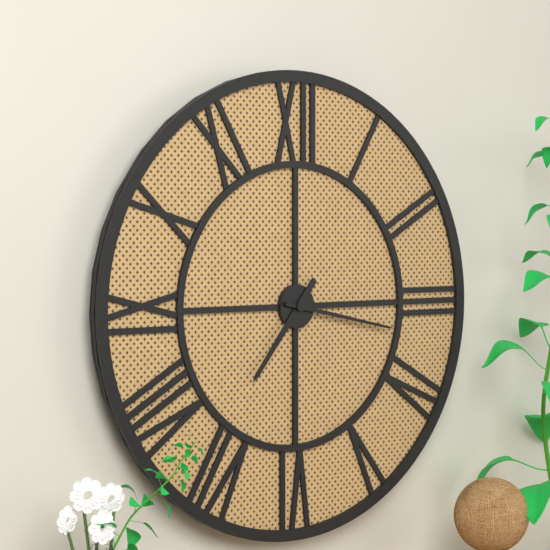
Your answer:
7 h 17 min
